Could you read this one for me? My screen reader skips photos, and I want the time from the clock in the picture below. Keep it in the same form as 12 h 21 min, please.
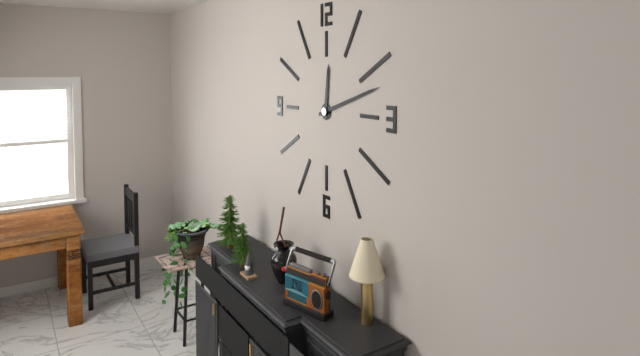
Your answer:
12 h 12 min
